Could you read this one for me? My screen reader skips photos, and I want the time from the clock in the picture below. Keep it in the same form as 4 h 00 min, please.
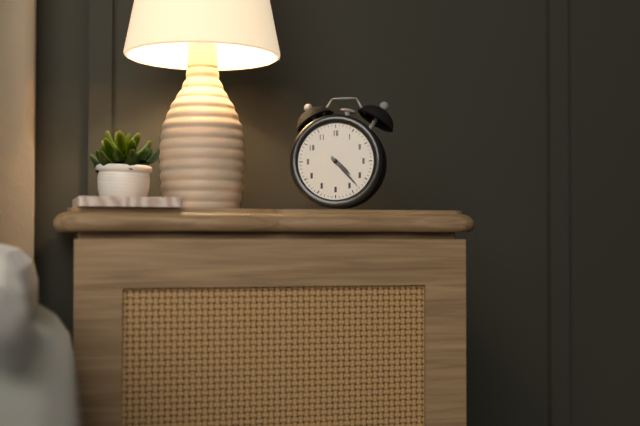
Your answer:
4 h 23 min
